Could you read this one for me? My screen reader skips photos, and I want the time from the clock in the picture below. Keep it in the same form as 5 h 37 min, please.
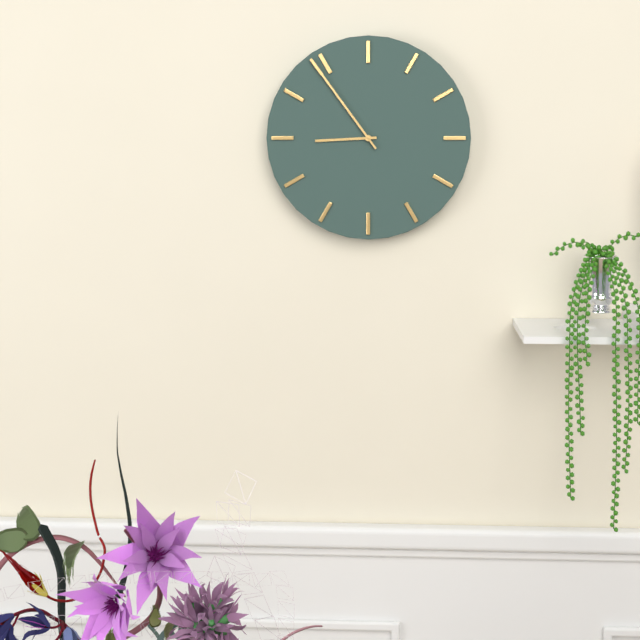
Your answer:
8 h 54 min
